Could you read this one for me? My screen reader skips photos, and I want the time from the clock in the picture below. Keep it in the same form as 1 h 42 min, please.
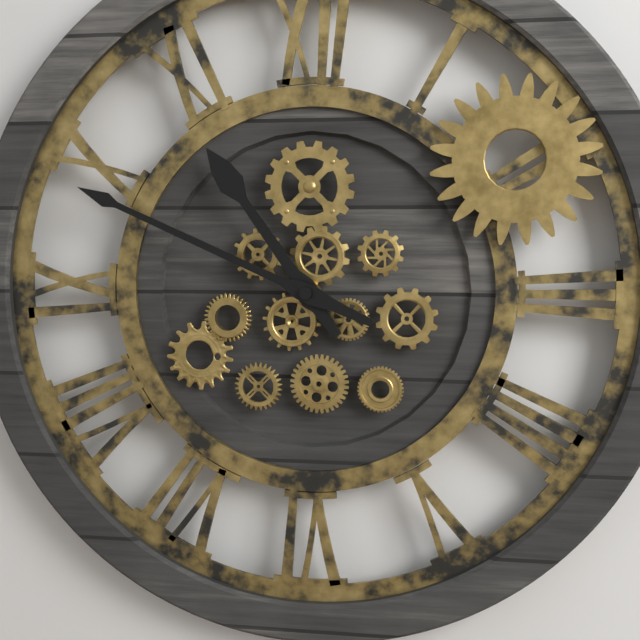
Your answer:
10 h 49 min
